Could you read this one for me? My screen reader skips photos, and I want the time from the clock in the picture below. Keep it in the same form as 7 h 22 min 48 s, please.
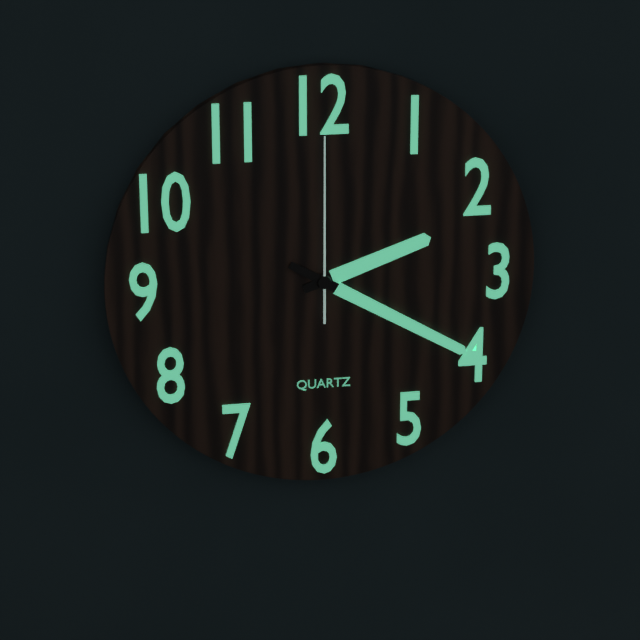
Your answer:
2 h 20 min 00 s
